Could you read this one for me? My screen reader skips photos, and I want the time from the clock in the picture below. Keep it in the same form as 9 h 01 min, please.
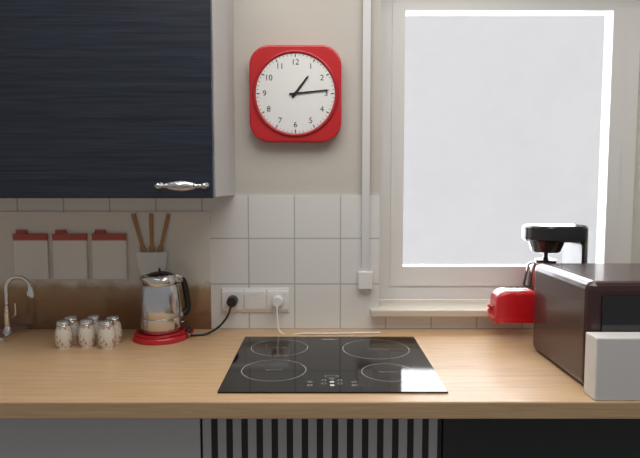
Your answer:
1 h 14 min
